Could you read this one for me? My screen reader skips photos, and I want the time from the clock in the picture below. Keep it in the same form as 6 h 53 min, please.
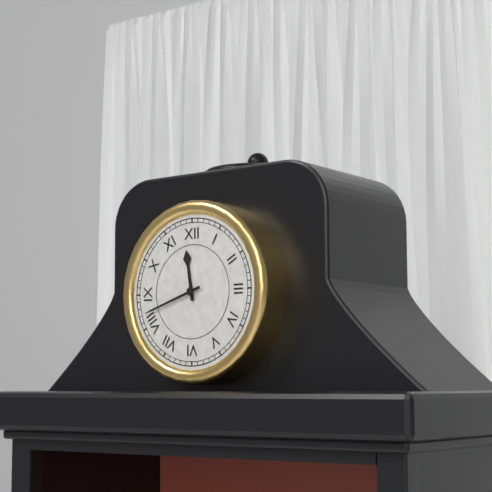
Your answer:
11 h 42 min
